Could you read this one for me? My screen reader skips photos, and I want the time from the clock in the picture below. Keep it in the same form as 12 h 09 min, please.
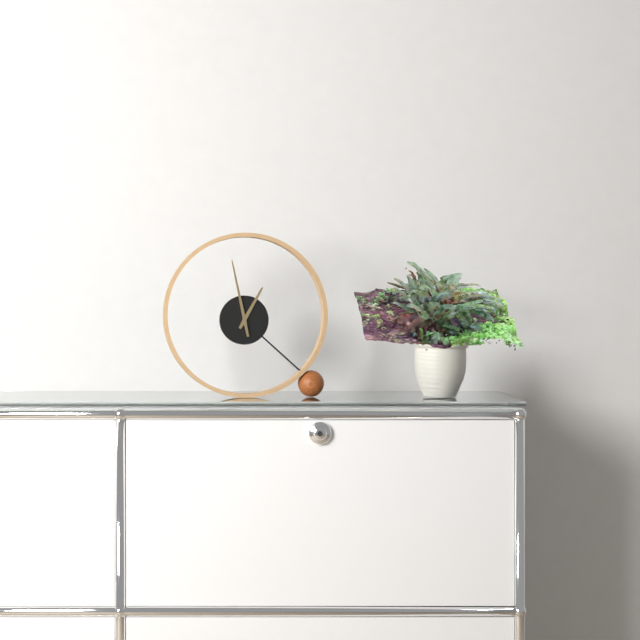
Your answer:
12 h 58 min
